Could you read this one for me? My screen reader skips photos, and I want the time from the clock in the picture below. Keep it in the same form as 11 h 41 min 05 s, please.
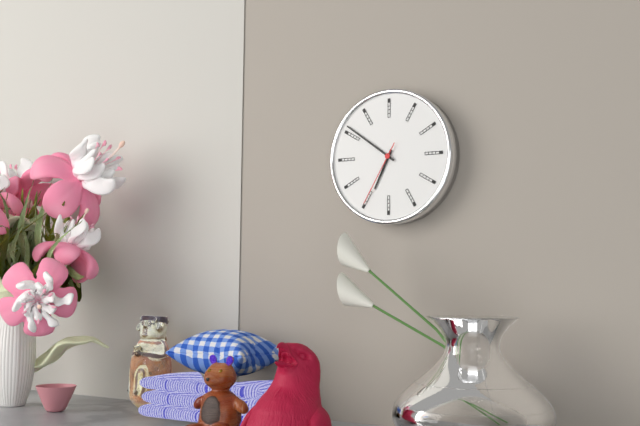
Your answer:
6 h 51 min 35 s
